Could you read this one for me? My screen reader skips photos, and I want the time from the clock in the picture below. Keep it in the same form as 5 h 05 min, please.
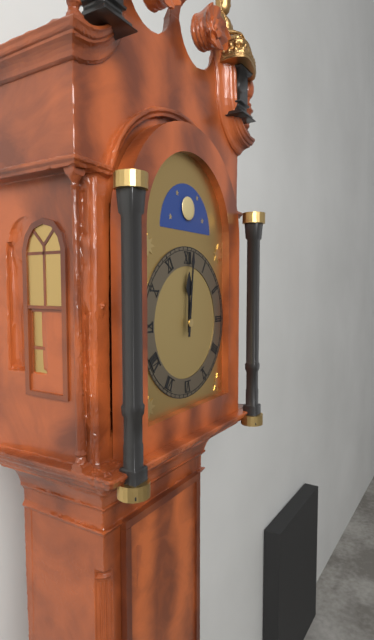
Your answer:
12 h 01 min
